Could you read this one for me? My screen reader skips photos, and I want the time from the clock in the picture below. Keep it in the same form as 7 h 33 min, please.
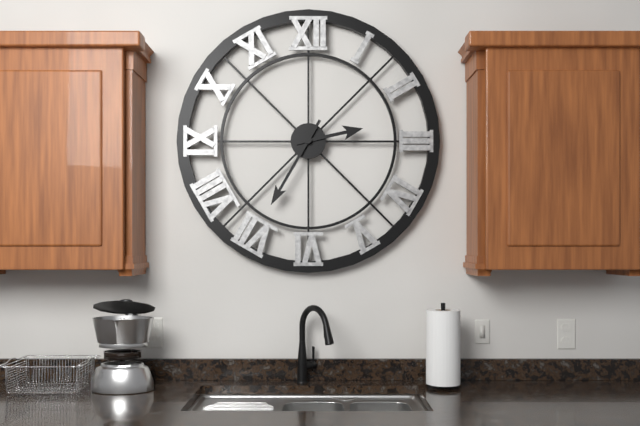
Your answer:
2 h 35 min
